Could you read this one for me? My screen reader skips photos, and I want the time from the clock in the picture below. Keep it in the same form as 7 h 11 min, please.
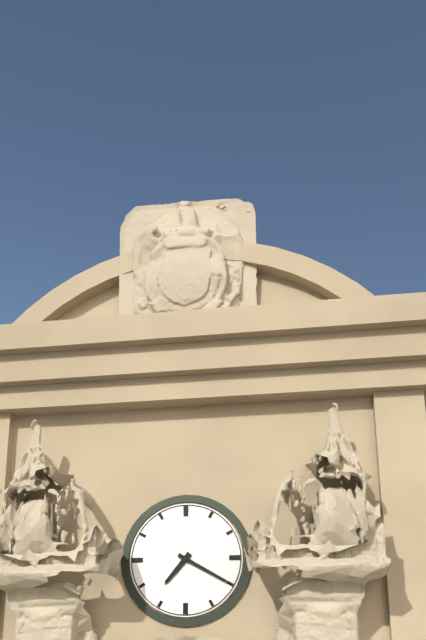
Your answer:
7 h 20 min
